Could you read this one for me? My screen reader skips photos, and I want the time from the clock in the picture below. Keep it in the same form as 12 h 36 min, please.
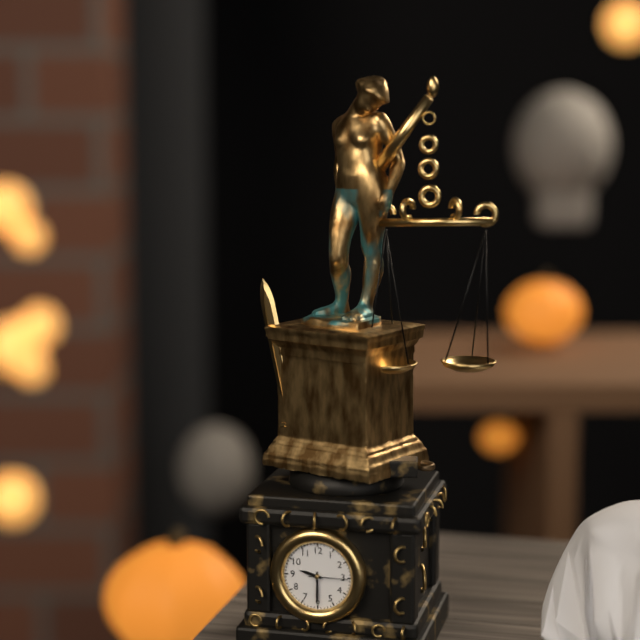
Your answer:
9 h 30 min
